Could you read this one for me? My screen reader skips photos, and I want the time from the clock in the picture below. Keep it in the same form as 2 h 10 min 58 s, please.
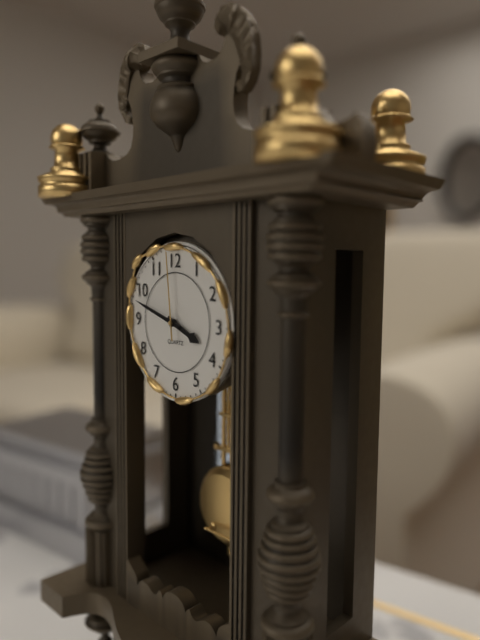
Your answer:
3 h 48 min 59 s
